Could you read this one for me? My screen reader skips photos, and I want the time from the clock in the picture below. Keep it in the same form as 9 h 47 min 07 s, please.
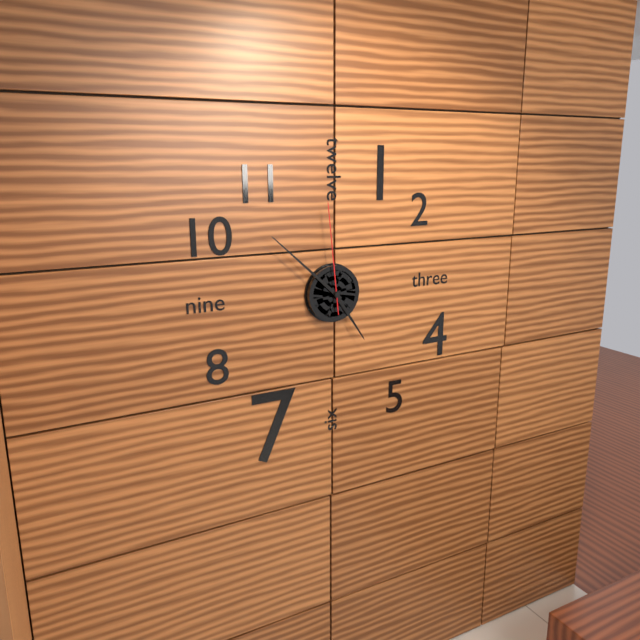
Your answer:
4 h 52 min 59 s
